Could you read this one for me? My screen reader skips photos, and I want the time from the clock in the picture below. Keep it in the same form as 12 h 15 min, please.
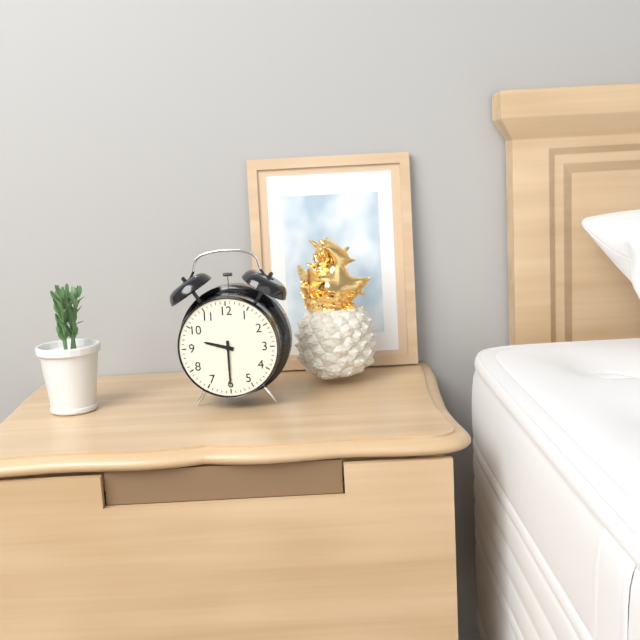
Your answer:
9 h 30 min
